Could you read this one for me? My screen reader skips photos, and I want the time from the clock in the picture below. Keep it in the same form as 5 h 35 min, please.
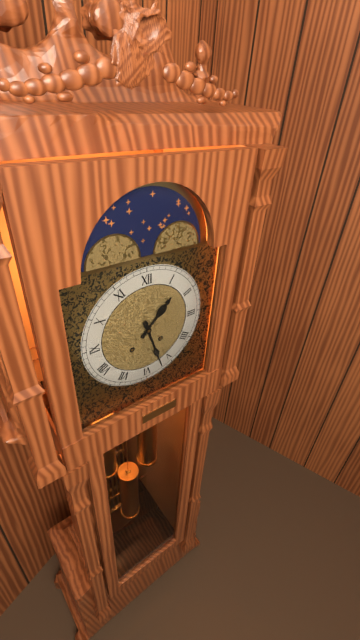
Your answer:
1 h 27 min
